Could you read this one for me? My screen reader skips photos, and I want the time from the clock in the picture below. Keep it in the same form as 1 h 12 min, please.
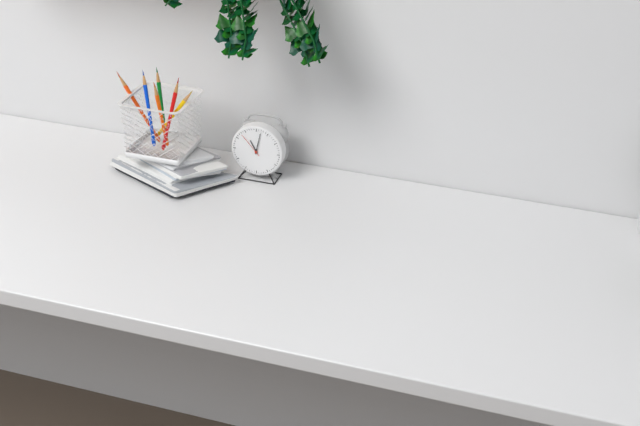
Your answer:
11 h 02 min
